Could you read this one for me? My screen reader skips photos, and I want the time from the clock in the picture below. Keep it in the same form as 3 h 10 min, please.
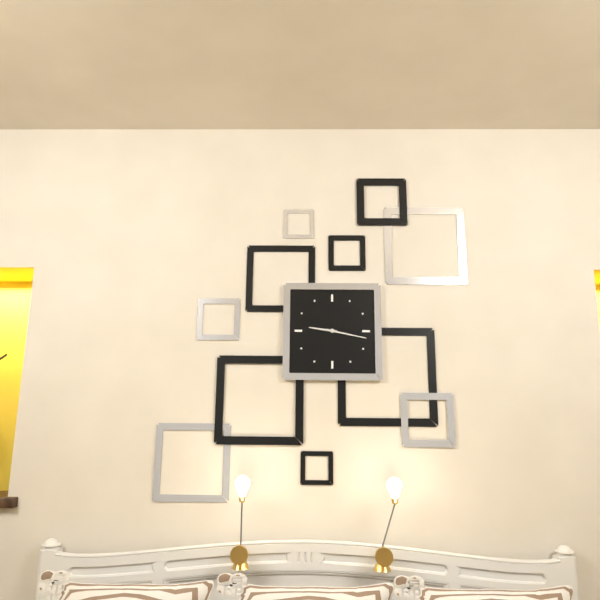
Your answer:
9 h 17 min
